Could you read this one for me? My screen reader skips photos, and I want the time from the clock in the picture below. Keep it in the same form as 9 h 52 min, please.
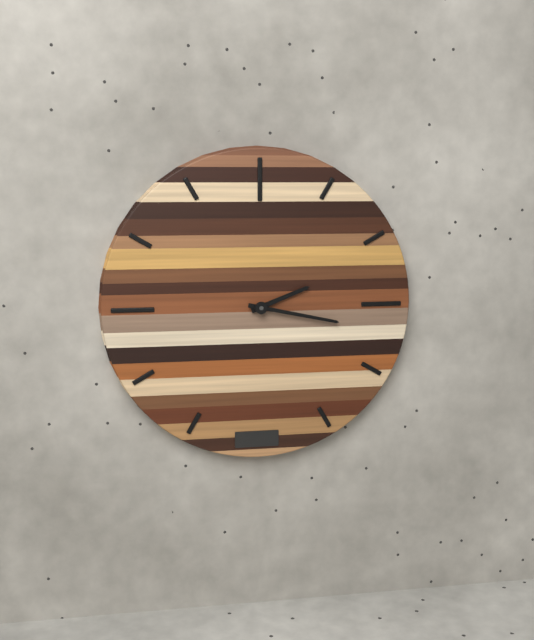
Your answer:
2 h 17 min
